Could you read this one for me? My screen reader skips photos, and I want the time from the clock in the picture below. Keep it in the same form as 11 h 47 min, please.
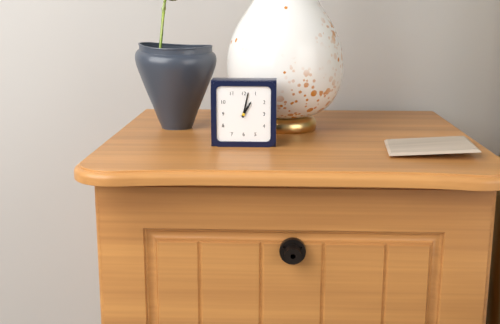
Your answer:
1 h 02 min
